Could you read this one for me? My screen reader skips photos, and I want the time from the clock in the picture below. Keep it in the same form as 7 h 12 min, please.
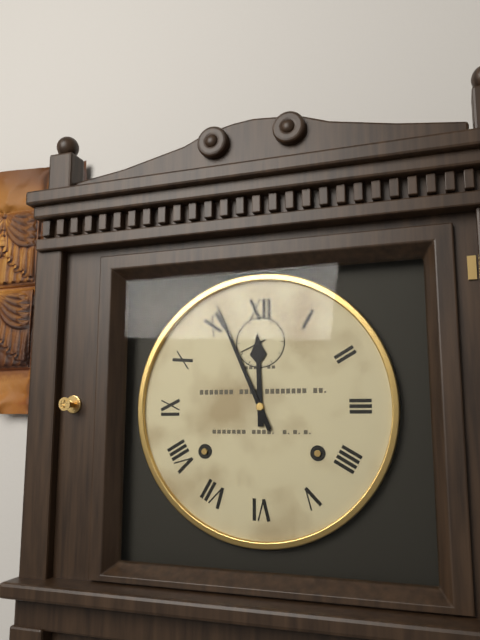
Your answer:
11 h 56 min
